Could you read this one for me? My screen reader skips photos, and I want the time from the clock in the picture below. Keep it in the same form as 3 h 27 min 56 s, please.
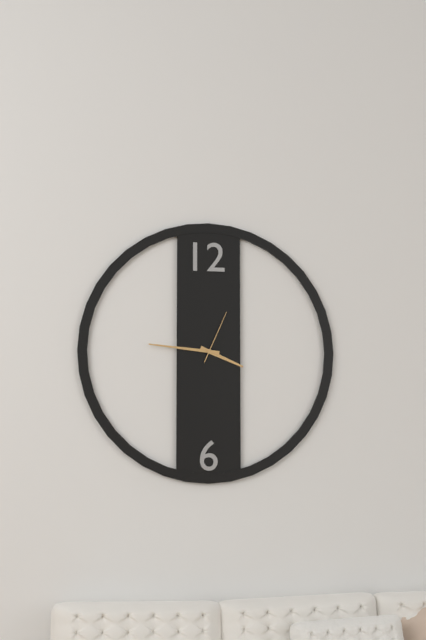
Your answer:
3 h 46 min 04 s
